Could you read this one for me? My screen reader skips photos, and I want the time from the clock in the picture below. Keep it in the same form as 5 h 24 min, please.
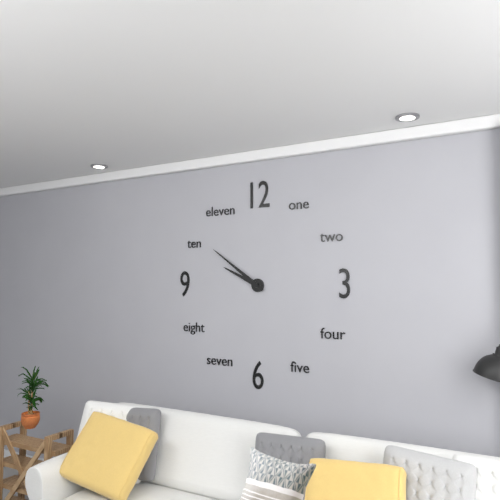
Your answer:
9 h 51 min
